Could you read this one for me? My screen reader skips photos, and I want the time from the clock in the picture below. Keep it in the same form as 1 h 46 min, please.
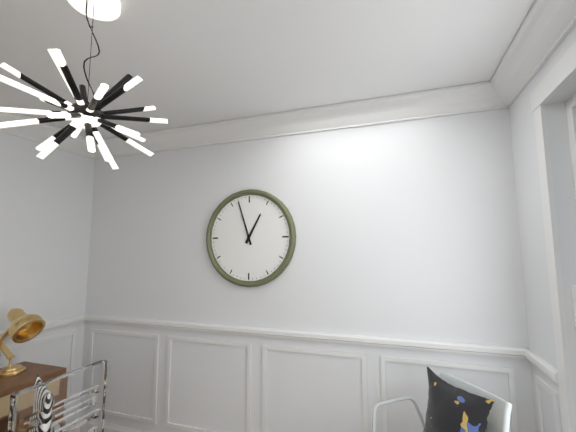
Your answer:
12 h 57 min
